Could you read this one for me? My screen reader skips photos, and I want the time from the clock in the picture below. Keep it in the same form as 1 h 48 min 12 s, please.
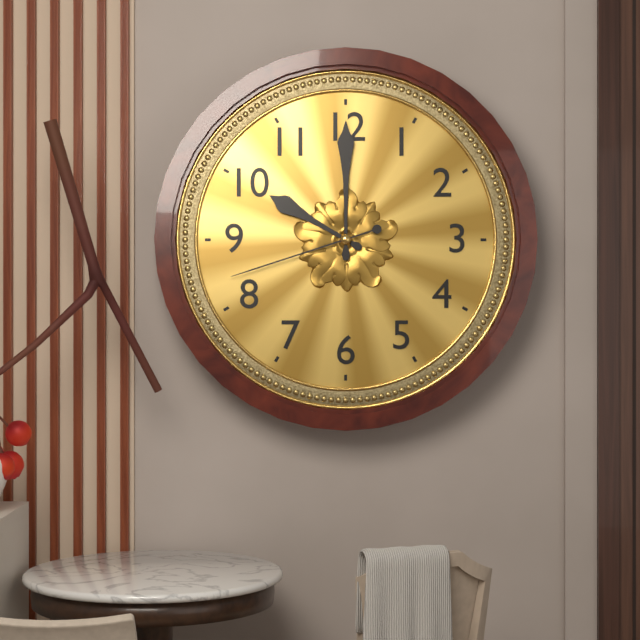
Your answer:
10 h 00 min 42 s
